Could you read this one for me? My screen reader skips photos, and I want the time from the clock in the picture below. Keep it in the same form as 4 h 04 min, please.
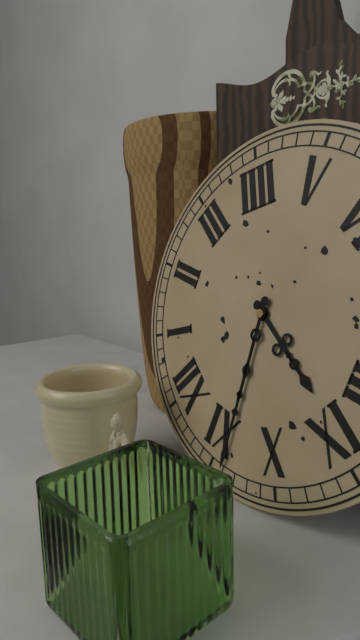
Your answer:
8 h 54 min
